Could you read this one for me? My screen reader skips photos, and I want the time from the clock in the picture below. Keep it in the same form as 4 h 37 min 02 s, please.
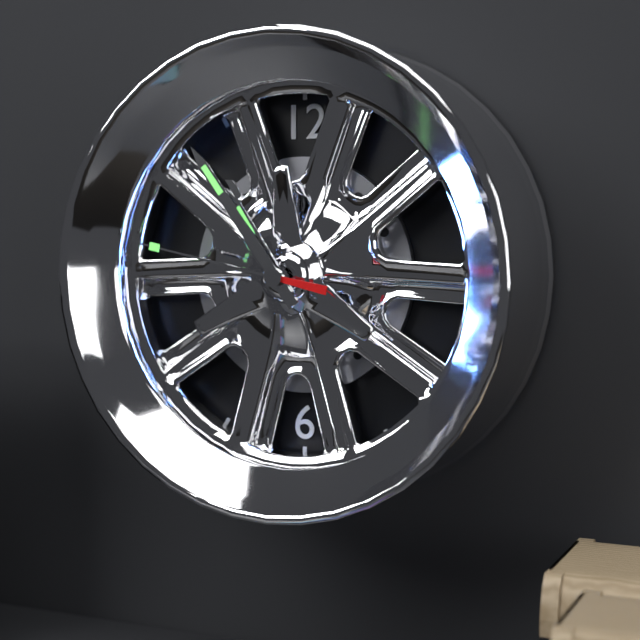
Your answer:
10 h 54 min 47 s
